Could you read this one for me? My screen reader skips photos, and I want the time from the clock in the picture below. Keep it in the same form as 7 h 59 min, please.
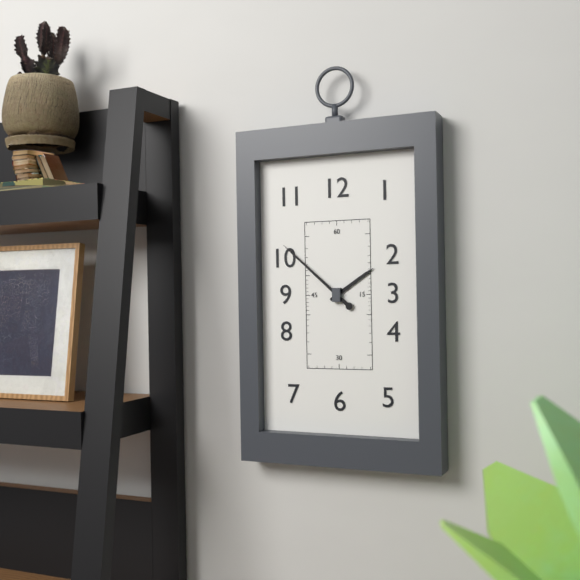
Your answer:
1 h 52 min
